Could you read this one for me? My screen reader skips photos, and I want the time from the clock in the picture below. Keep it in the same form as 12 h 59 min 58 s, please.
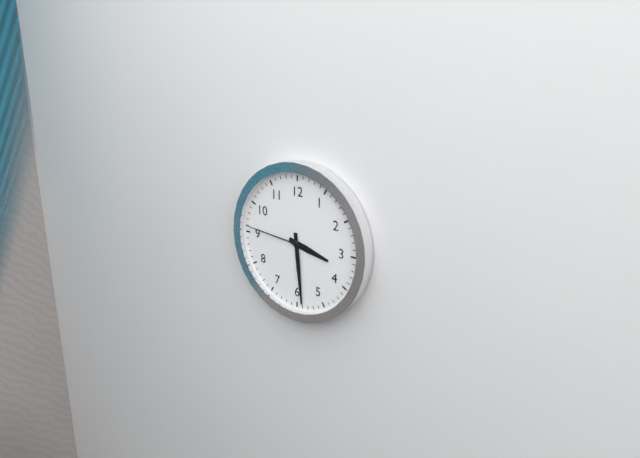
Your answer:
3 h 29 min 46 s
